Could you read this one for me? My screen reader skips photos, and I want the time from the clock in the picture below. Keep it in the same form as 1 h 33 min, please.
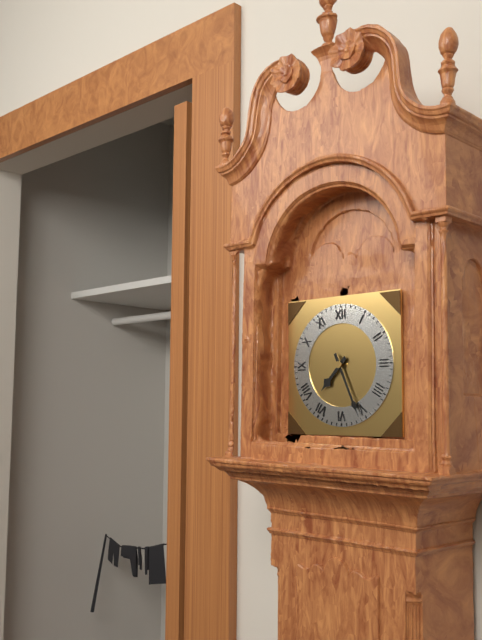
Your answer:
7 h 26 min
